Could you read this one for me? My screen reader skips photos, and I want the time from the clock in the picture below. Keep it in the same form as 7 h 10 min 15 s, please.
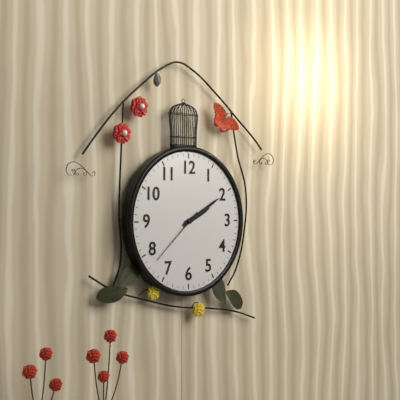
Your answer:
2 h 10 min 38 s
